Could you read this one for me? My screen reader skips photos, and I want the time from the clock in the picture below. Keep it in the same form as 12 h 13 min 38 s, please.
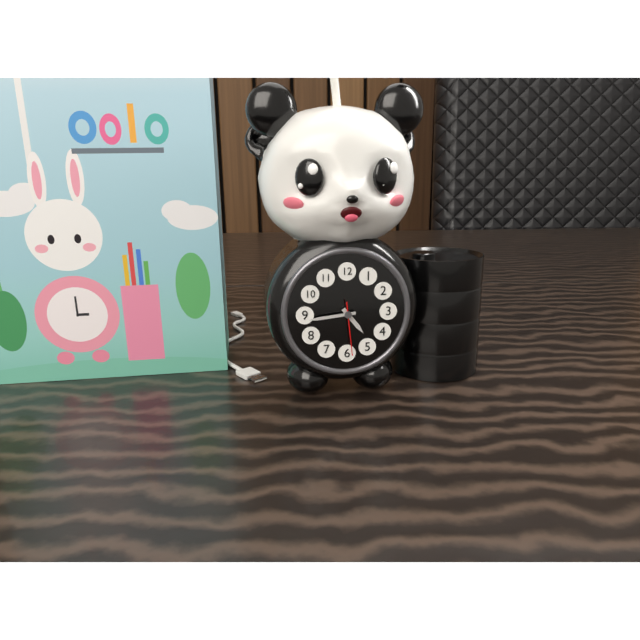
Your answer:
4 h 44 min 29 s
